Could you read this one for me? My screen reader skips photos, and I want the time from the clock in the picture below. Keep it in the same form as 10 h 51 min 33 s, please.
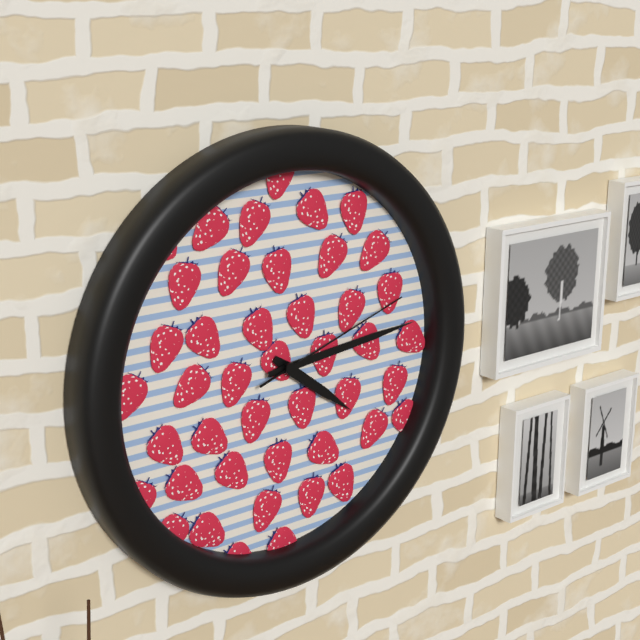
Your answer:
4 h 14 min 12 s
